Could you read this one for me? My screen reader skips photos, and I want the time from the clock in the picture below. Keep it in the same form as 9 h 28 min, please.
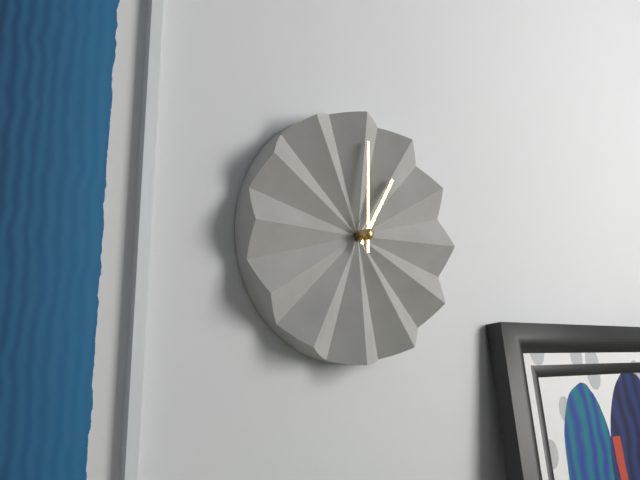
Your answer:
1 h 00 min
